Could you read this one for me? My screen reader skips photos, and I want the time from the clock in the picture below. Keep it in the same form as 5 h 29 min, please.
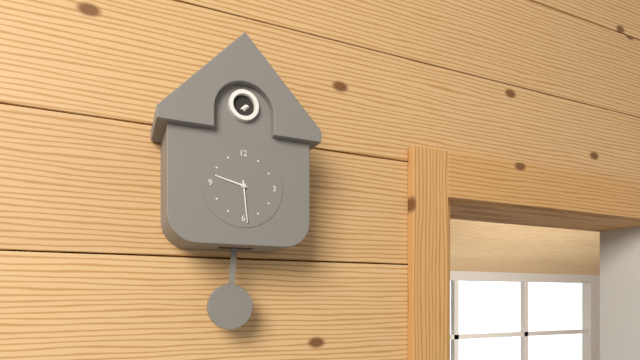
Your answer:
9 h 29 min
